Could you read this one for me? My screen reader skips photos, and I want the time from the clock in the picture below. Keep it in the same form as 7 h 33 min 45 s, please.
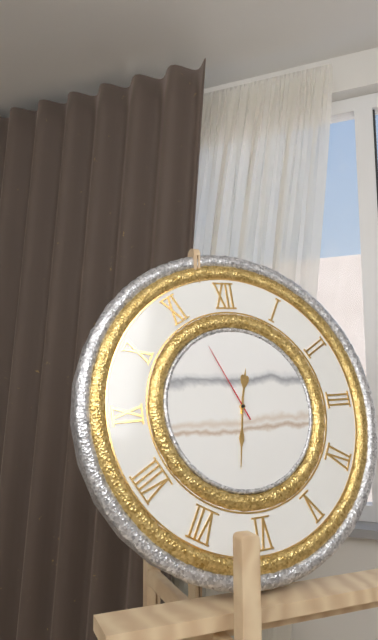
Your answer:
12 h 32 min 56 s
